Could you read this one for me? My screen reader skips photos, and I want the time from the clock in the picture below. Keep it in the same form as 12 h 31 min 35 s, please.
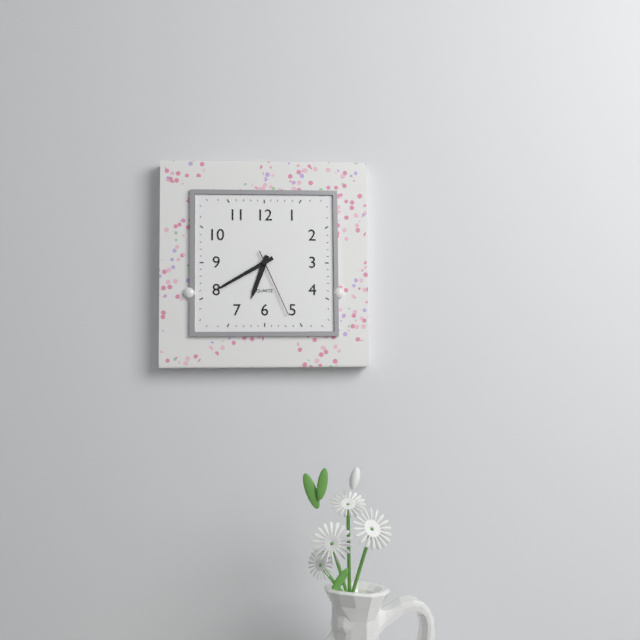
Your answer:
6 h 40 min 26 s
